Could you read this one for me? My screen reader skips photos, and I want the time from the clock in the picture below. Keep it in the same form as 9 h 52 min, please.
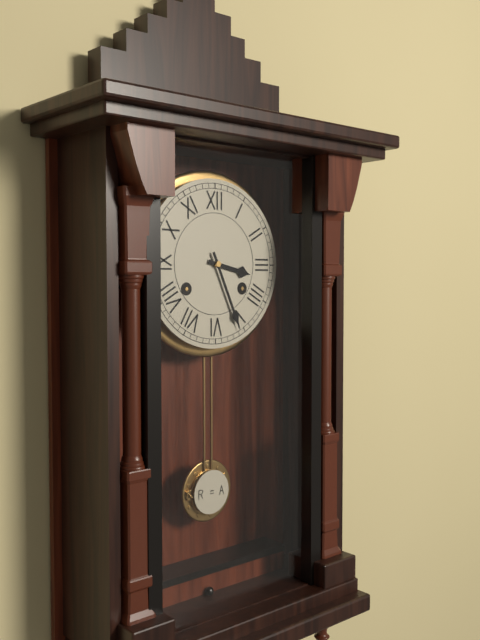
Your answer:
3 h 26 min
